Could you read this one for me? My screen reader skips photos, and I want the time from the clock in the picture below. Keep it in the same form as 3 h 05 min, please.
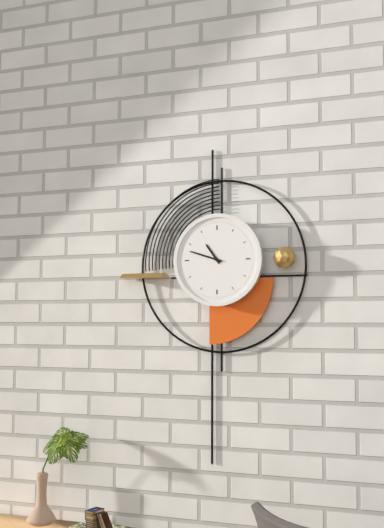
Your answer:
10 h 48 min
